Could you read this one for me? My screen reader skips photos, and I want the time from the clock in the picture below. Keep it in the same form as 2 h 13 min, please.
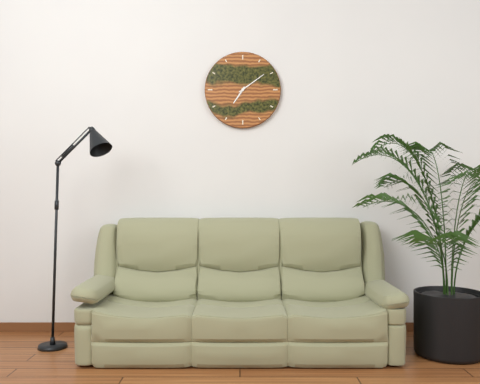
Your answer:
7 h 09 min
